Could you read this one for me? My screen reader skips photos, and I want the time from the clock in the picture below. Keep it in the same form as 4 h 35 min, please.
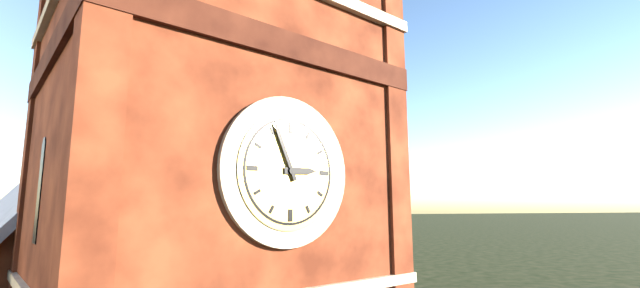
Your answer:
2 h 56 min
